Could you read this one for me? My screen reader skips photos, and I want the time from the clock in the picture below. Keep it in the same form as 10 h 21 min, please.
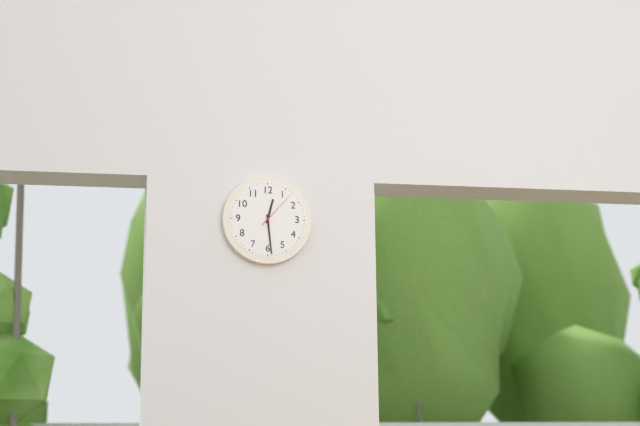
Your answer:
12 h 29 min
